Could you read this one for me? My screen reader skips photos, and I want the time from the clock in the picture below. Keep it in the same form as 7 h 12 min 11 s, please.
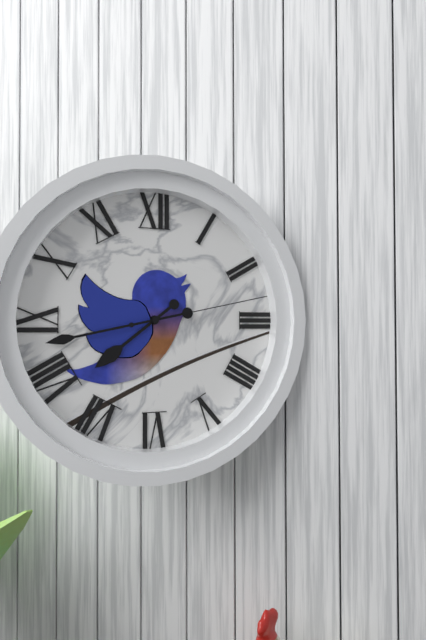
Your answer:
7 h 43 min 13 s
